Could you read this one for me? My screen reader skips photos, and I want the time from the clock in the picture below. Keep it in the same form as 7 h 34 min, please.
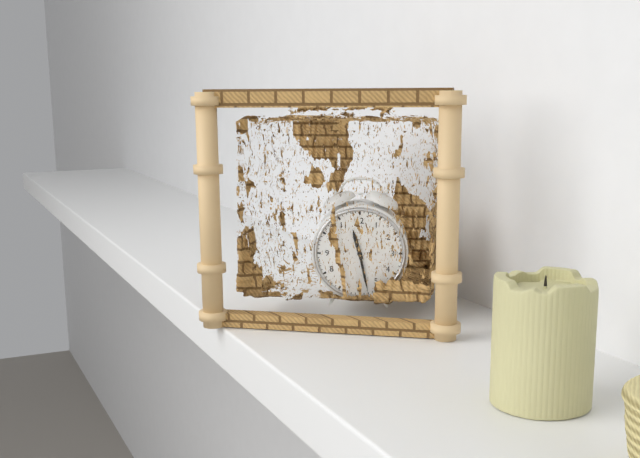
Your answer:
11 h 28 min
